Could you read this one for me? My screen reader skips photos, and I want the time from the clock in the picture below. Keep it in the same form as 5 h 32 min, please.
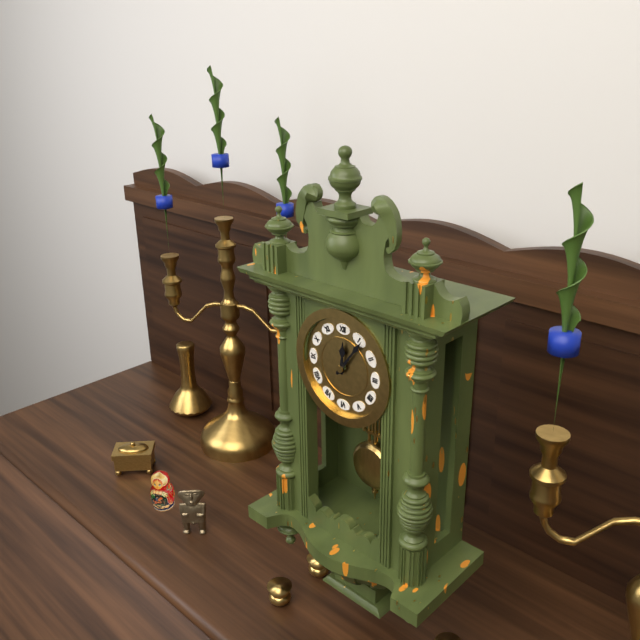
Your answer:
12 h 06 min
